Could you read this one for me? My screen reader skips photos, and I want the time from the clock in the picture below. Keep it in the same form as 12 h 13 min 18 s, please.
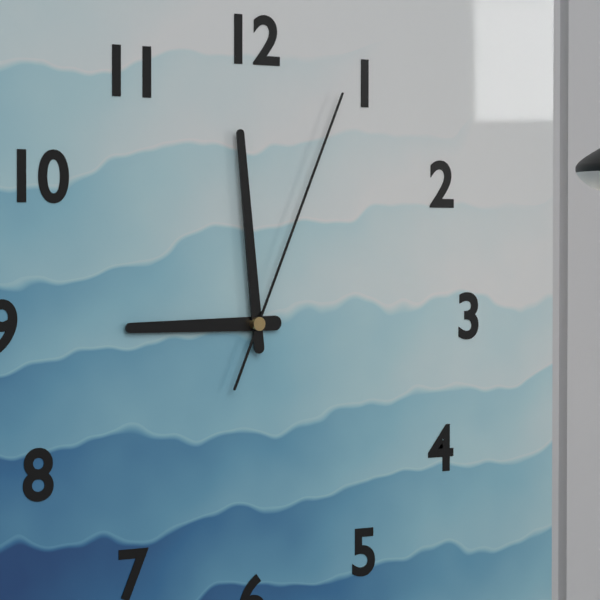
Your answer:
8 h 59 min 04 s
